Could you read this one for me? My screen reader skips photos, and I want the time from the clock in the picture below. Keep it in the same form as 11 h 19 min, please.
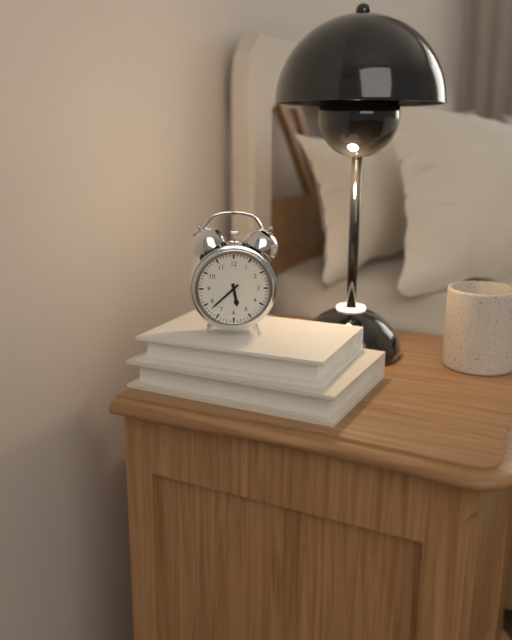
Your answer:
5 h 38 min
